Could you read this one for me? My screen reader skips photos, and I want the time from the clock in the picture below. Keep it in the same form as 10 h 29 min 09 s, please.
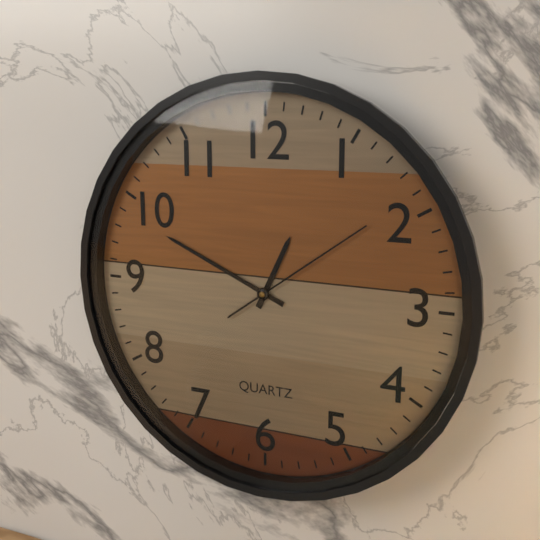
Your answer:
12 h 49 min 09 s
